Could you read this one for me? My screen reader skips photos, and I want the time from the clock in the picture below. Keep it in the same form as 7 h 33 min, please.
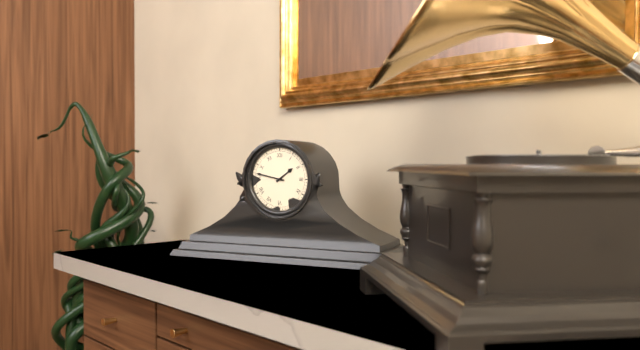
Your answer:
1 h 47 min
